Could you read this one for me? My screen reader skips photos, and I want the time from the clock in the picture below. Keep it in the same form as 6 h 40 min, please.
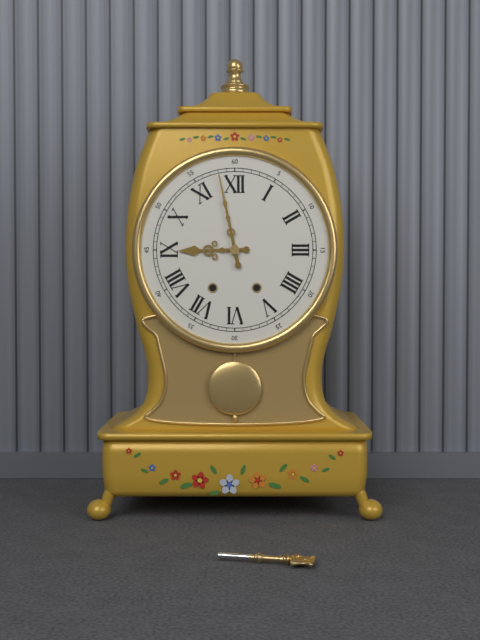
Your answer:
8 h 58 min
